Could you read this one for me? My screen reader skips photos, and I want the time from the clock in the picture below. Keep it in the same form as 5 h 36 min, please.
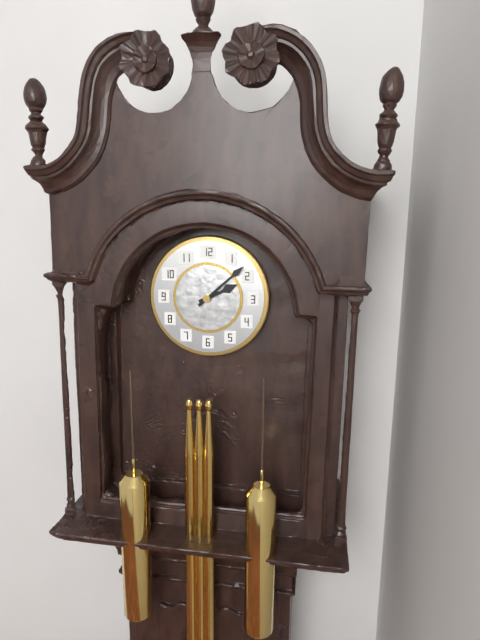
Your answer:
2 h 08 min
